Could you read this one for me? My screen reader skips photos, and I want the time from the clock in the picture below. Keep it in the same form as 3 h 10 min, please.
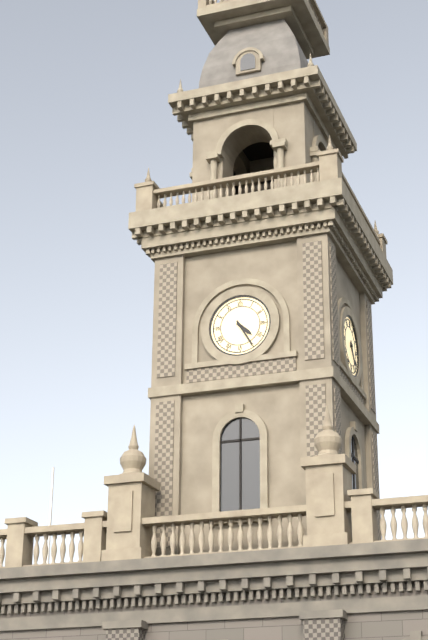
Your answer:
4 h 25 min
